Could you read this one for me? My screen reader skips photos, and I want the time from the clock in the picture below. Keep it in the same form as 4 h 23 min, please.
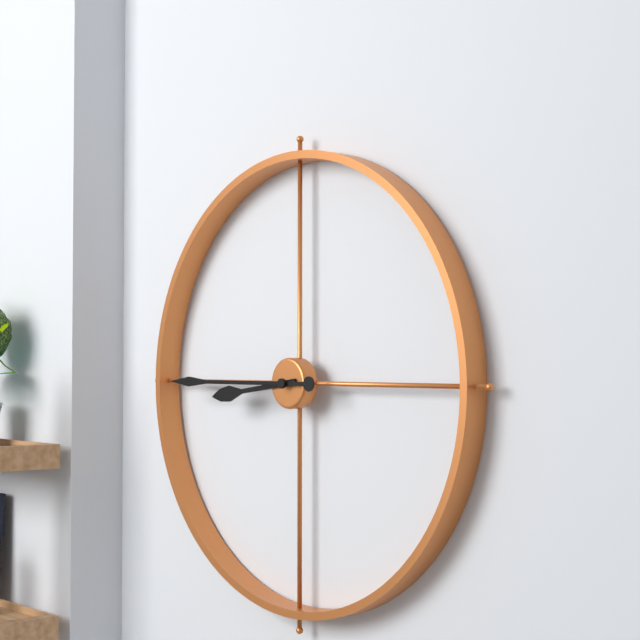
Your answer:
8 h 45 min
